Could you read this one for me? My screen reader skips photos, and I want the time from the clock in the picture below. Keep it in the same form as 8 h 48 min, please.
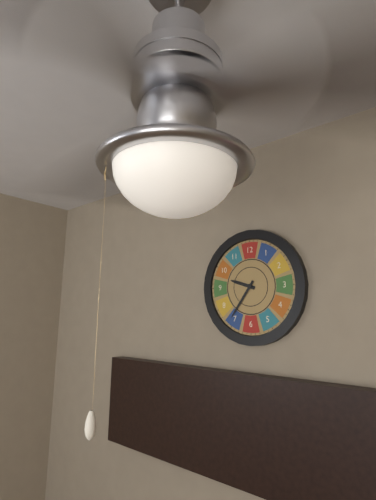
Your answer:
9 h 36 min
